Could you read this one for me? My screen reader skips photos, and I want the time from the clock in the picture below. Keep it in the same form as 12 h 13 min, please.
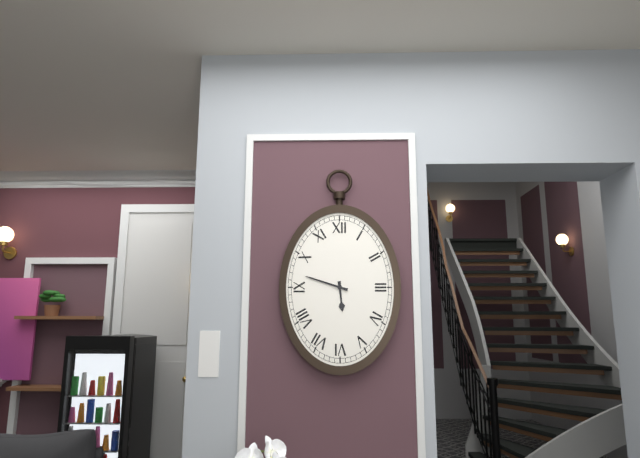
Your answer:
5 h 48 min
